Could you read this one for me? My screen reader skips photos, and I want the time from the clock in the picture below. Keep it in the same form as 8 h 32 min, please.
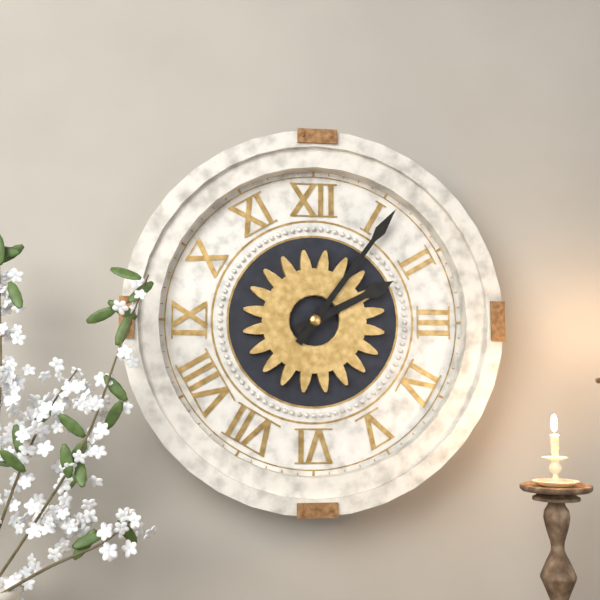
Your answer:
2 h 06 min
